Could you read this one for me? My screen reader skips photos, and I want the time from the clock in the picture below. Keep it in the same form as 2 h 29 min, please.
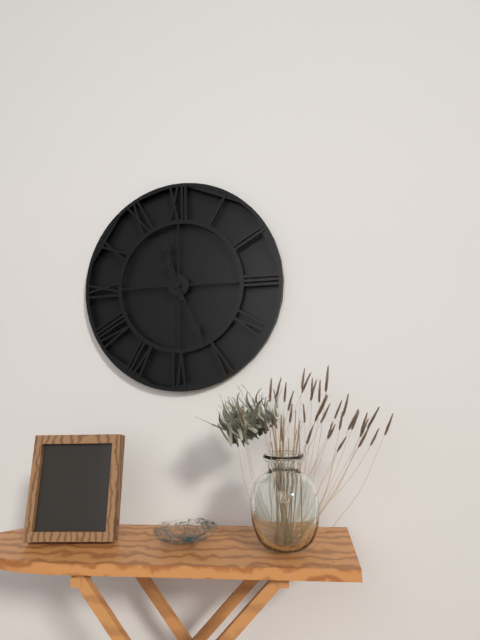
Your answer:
11 h 26 min
